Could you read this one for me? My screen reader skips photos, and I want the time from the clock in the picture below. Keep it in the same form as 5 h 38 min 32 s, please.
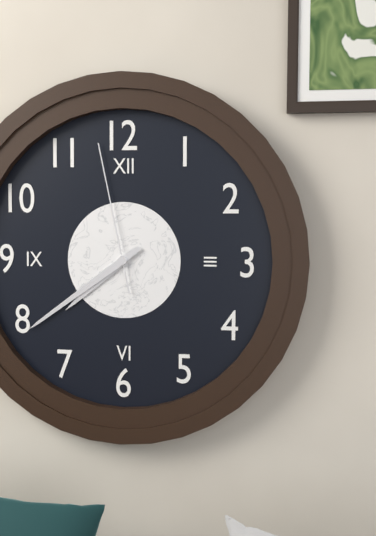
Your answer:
7 h 39 min 58 s
